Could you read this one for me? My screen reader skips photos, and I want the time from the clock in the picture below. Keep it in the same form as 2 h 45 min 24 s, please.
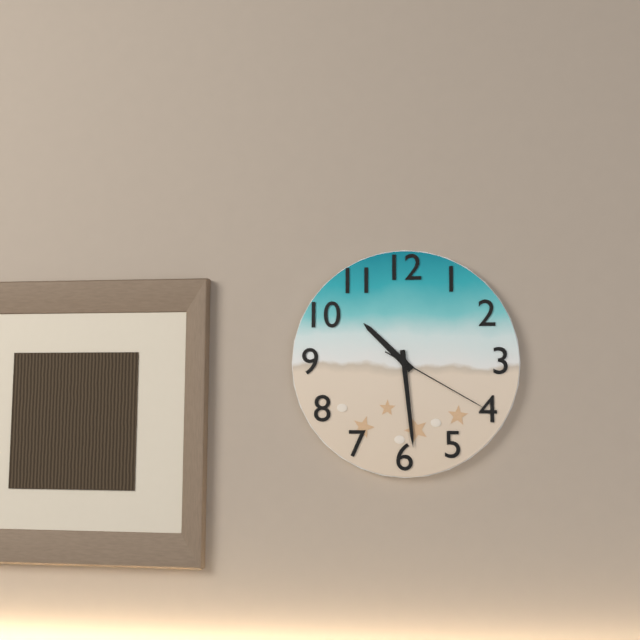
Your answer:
10 h 29 min 20 s
